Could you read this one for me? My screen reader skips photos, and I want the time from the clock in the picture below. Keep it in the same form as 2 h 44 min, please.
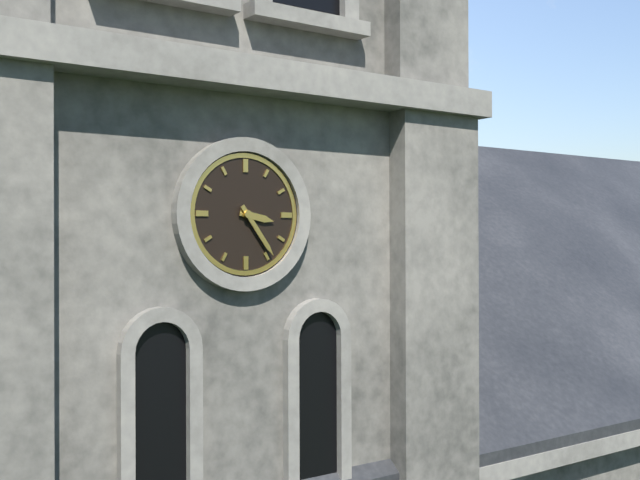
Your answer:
3 h 24 min
